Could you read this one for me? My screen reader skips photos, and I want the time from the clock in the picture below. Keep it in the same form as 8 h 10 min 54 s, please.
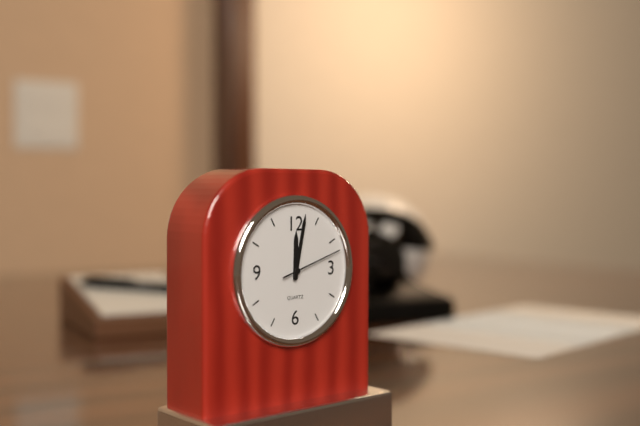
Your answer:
12 h 02 min 12 s
